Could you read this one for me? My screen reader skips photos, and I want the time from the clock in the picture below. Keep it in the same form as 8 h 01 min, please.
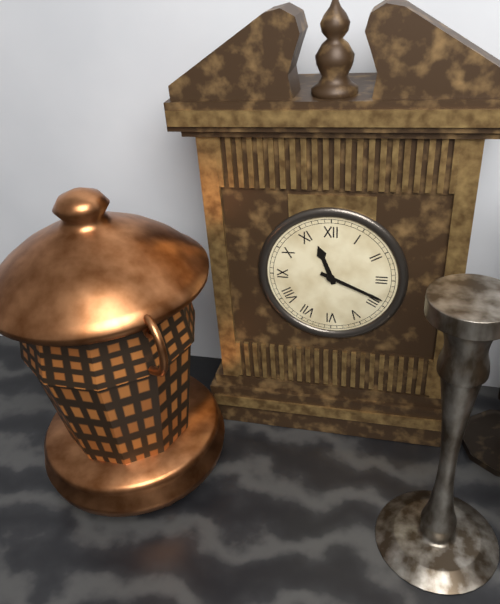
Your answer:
11 h 19 min
